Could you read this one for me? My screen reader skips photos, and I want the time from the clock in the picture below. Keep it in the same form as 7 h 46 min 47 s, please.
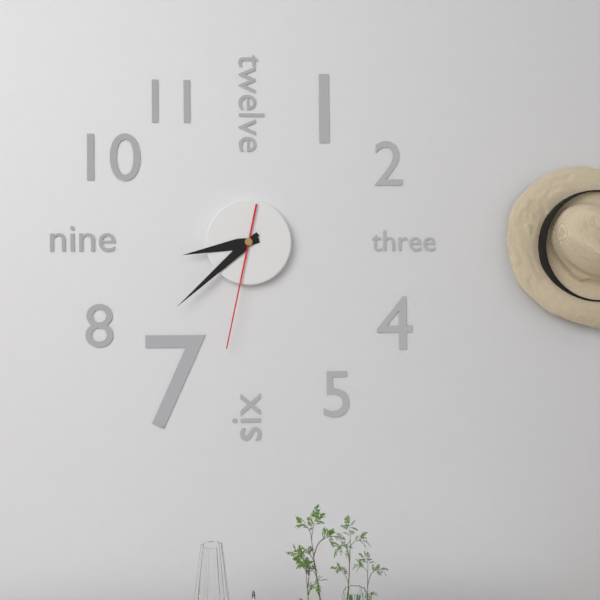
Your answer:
8 h 38 min 32 s
